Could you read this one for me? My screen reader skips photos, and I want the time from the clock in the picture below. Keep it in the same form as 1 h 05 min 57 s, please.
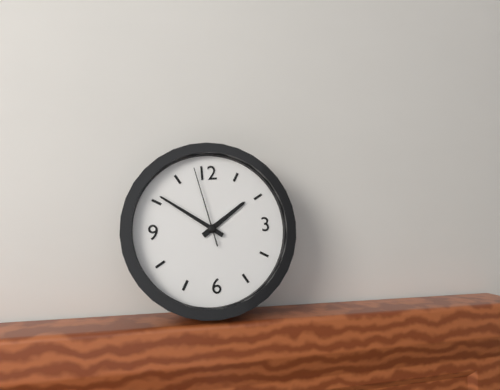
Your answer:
1 h 51 min 58 s
